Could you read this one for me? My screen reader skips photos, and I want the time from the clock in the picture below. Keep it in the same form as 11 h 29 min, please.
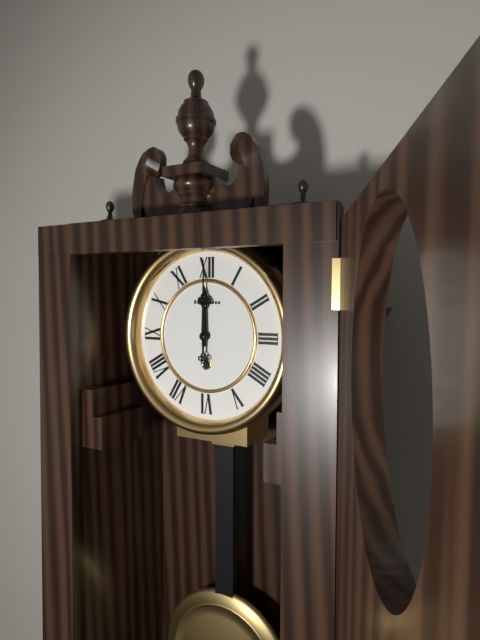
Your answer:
12 h 00 min
